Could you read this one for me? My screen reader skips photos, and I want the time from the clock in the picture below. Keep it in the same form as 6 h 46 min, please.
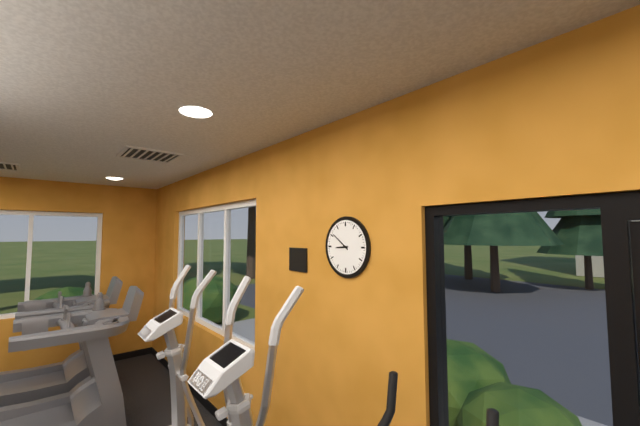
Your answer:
8 h 51 min
